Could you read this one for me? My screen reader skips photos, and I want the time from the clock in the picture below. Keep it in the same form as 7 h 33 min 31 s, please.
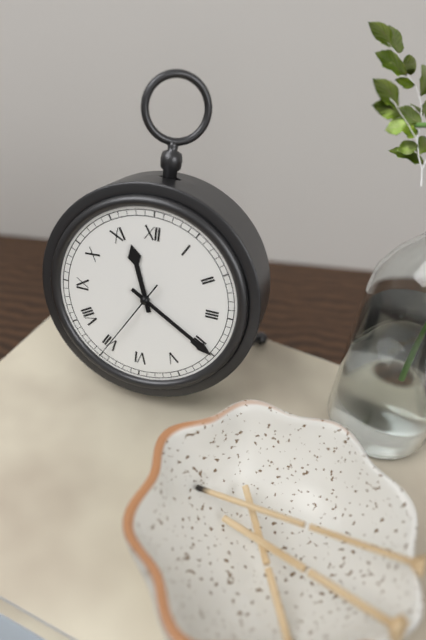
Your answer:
11 h 20 min 35 s
